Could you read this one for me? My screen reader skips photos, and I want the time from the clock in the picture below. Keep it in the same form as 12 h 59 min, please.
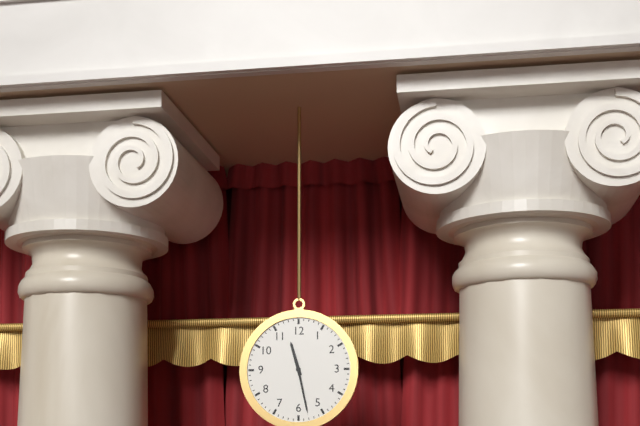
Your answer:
11 h 28 min
